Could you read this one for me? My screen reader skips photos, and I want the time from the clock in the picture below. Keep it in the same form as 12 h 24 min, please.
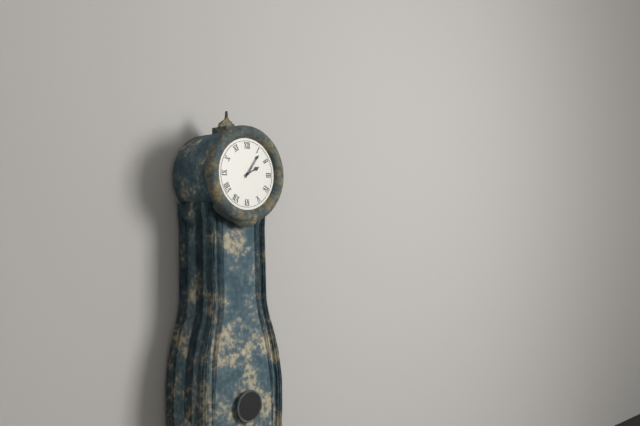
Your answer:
2 h 06 min
